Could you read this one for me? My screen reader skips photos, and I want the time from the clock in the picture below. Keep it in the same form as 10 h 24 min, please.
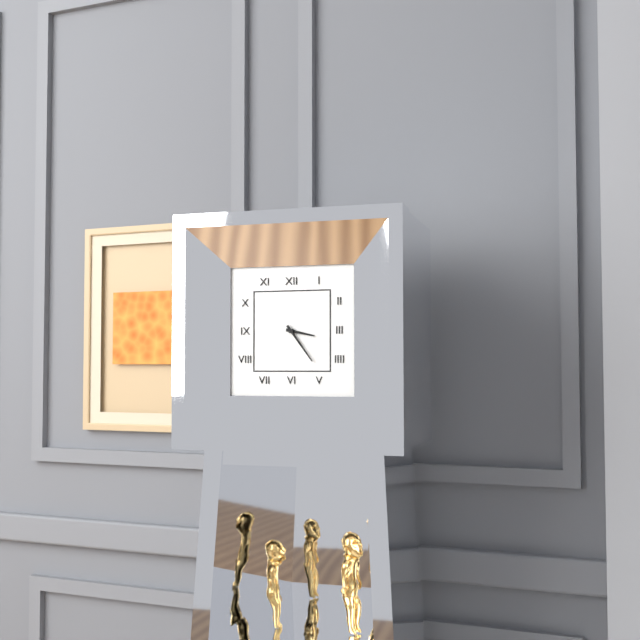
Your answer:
3 h 24 min
